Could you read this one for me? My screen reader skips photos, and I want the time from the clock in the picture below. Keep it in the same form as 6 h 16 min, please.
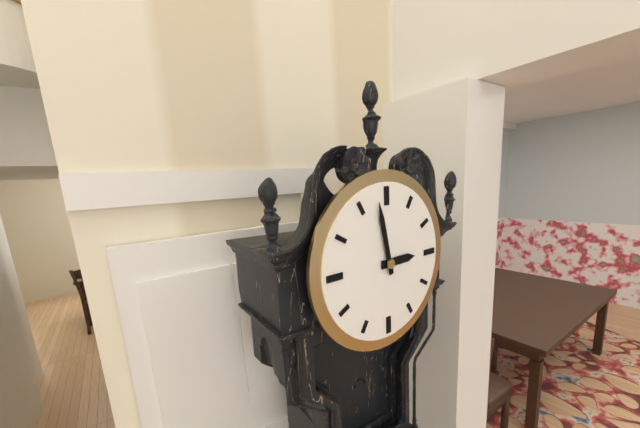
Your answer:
2 h 58 min
